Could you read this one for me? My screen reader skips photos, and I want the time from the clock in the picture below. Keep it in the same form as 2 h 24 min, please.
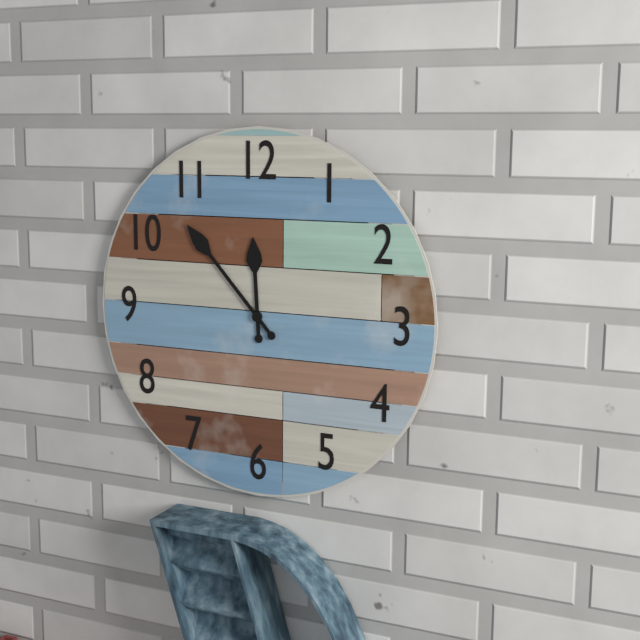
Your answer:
11 h 53 min
